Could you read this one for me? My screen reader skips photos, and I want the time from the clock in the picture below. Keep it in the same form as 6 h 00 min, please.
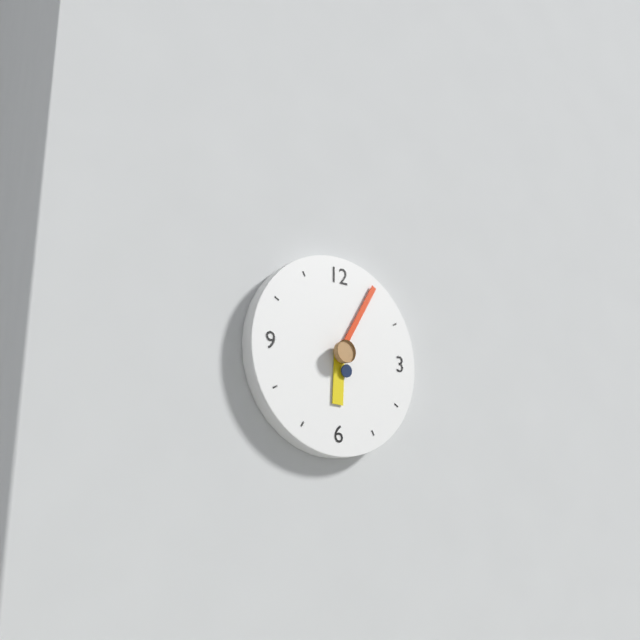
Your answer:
6 h 05 min
